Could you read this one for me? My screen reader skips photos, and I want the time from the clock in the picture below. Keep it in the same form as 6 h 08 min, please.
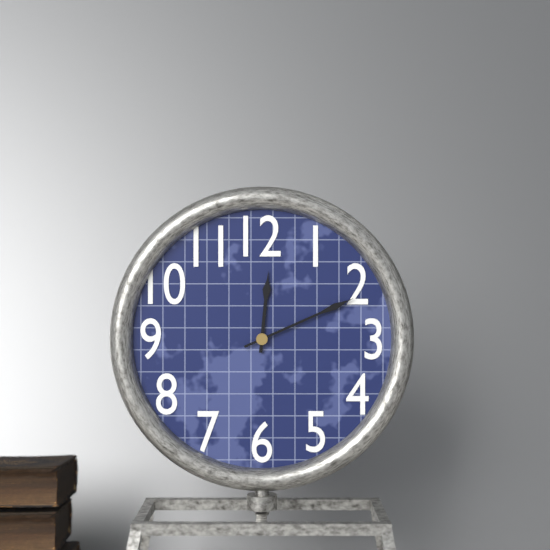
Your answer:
12 h 11 min
